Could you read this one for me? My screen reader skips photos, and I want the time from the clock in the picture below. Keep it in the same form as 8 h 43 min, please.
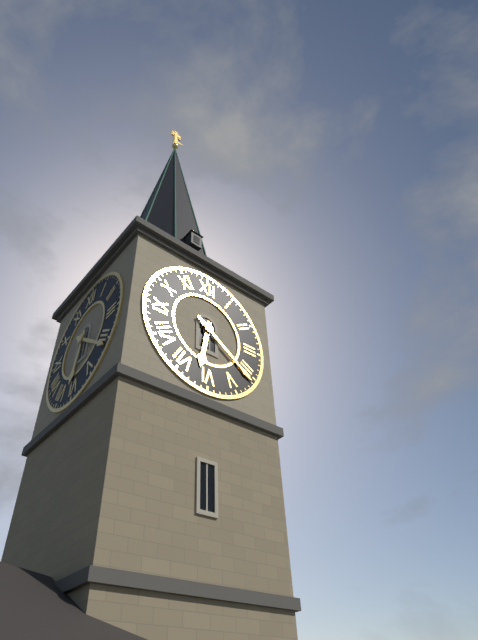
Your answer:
6 h 21 min
